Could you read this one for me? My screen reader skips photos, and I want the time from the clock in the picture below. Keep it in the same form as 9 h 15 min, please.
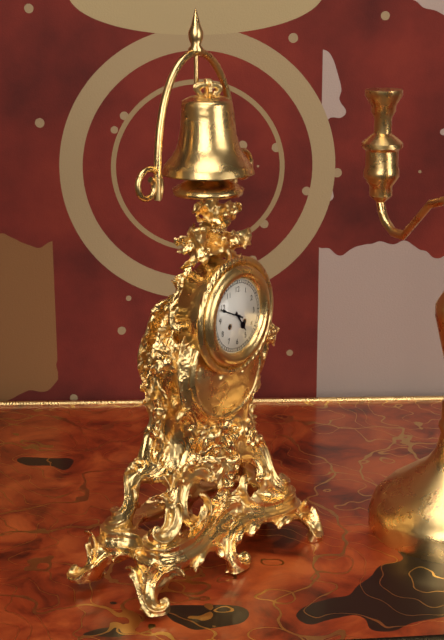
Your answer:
4 h 49 min
